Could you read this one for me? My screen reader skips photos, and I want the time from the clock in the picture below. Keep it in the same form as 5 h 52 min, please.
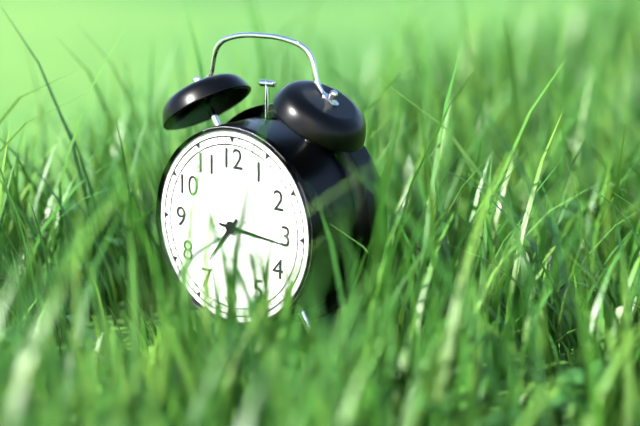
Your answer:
7 h 16 min
